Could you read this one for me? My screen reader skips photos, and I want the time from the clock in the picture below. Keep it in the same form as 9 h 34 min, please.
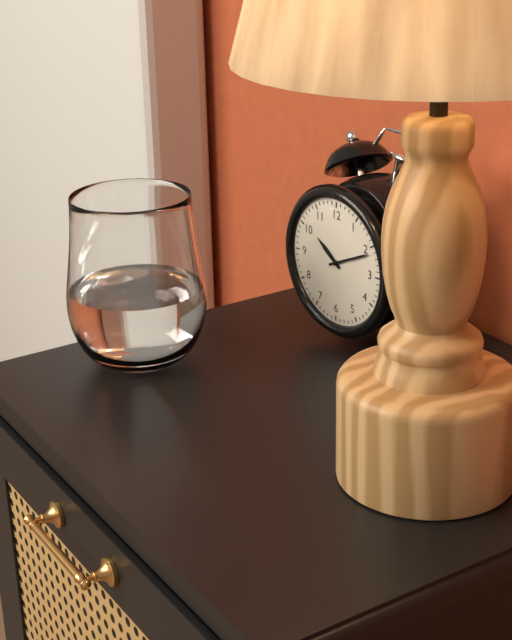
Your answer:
10 h 11 min
